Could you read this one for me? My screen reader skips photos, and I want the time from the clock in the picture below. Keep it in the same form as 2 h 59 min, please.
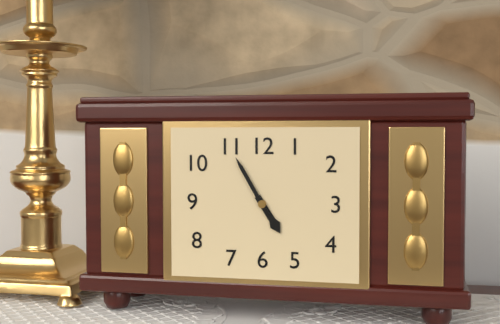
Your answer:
4 h 55 min
